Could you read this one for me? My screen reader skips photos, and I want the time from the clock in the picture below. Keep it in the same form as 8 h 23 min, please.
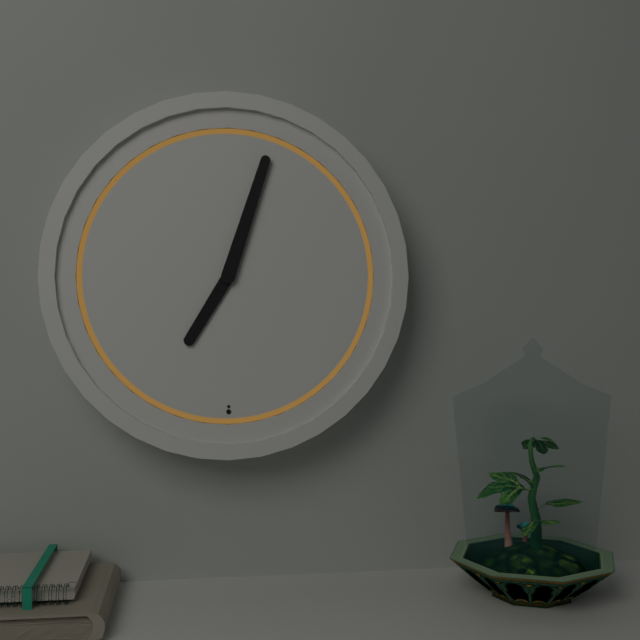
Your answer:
7 h 03 min
